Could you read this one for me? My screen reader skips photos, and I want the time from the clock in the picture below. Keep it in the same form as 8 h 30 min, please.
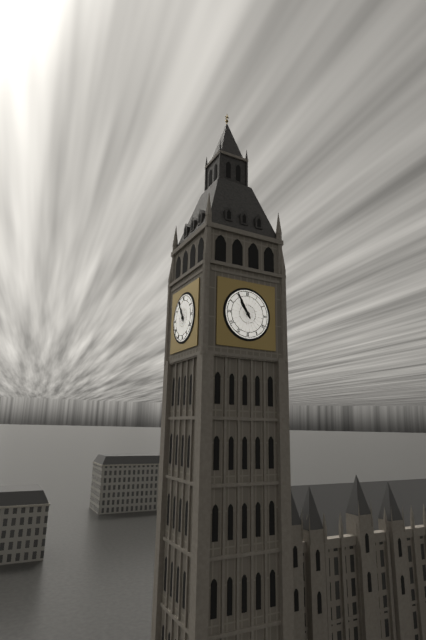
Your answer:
10 h 55 min
